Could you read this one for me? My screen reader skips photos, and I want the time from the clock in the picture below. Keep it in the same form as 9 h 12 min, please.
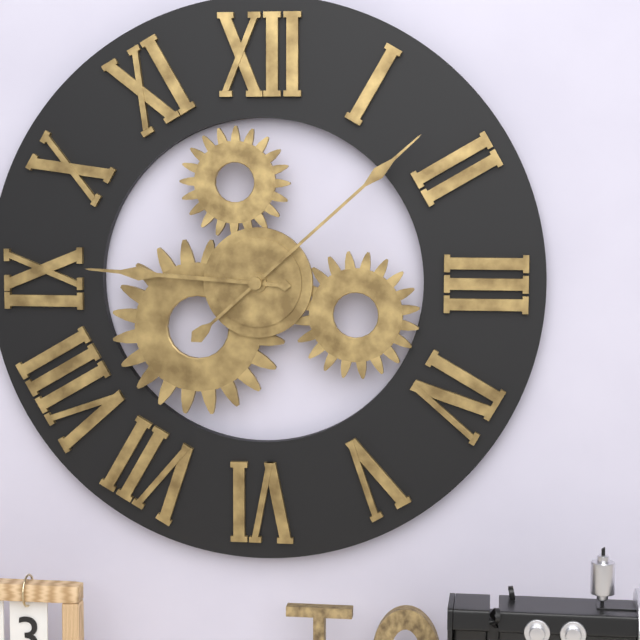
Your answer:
9 h 08 min
